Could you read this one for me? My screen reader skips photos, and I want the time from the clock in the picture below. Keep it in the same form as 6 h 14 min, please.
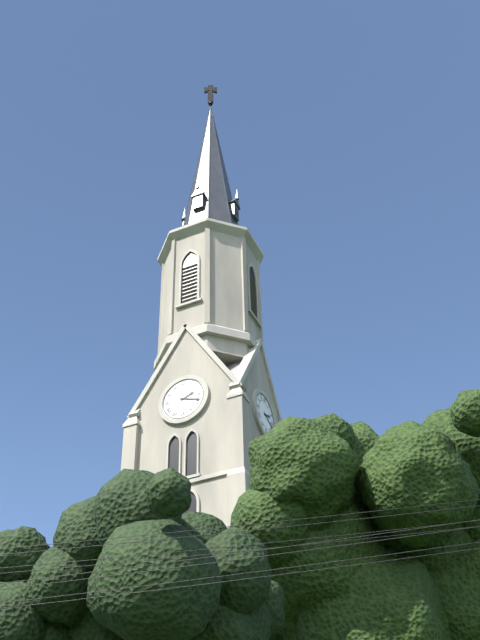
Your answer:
2 h 18 min
